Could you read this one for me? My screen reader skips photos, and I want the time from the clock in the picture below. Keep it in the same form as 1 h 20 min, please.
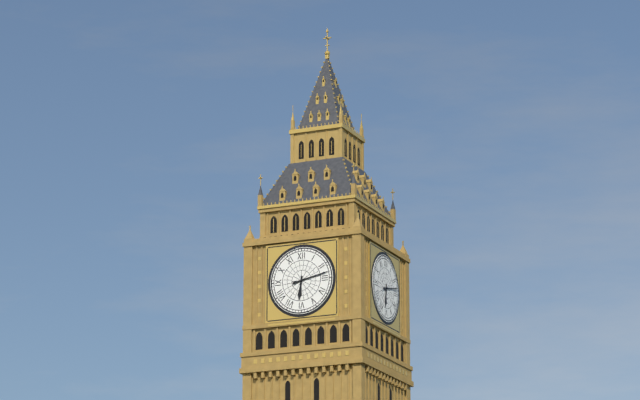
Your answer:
6 h 13 min
